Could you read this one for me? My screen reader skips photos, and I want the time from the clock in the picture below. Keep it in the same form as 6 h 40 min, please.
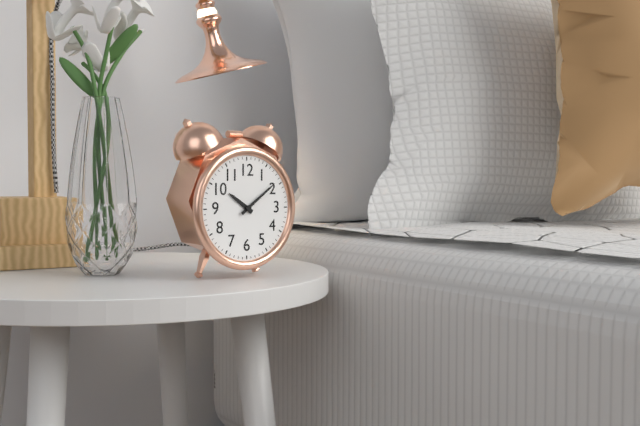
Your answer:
10 h 09 min
